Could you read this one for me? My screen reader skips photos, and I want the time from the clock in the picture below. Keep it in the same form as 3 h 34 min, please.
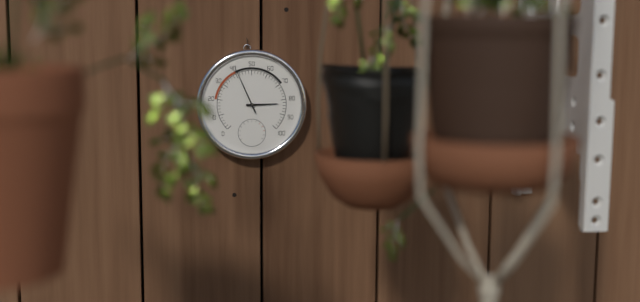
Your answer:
2 h 56 min
